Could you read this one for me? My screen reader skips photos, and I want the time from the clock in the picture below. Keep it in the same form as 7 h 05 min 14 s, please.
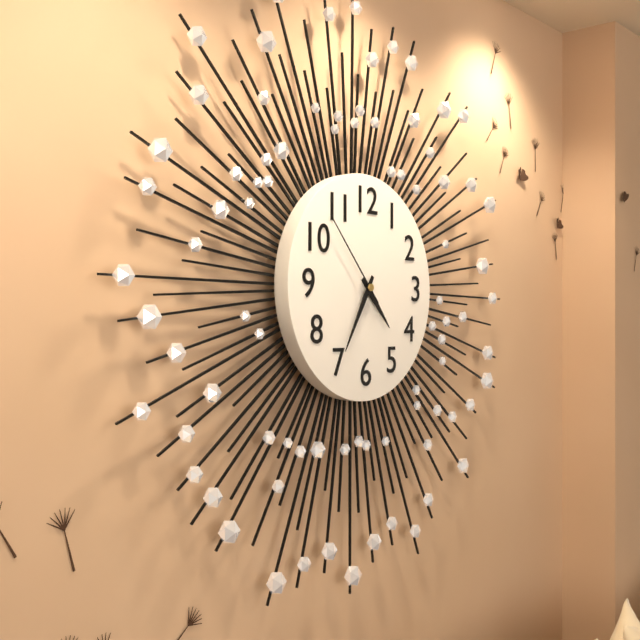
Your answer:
4 h 35 min 53 s
